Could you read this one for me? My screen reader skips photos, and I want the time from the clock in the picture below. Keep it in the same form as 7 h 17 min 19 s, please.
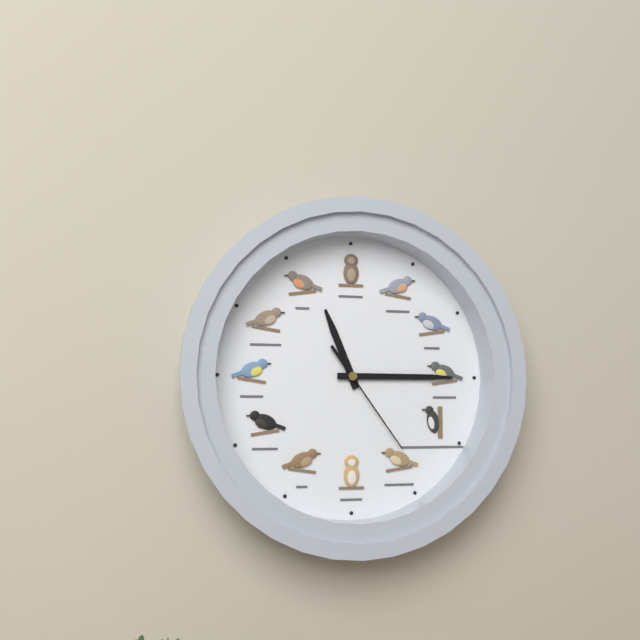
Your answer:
11 h 15 min 24 s
